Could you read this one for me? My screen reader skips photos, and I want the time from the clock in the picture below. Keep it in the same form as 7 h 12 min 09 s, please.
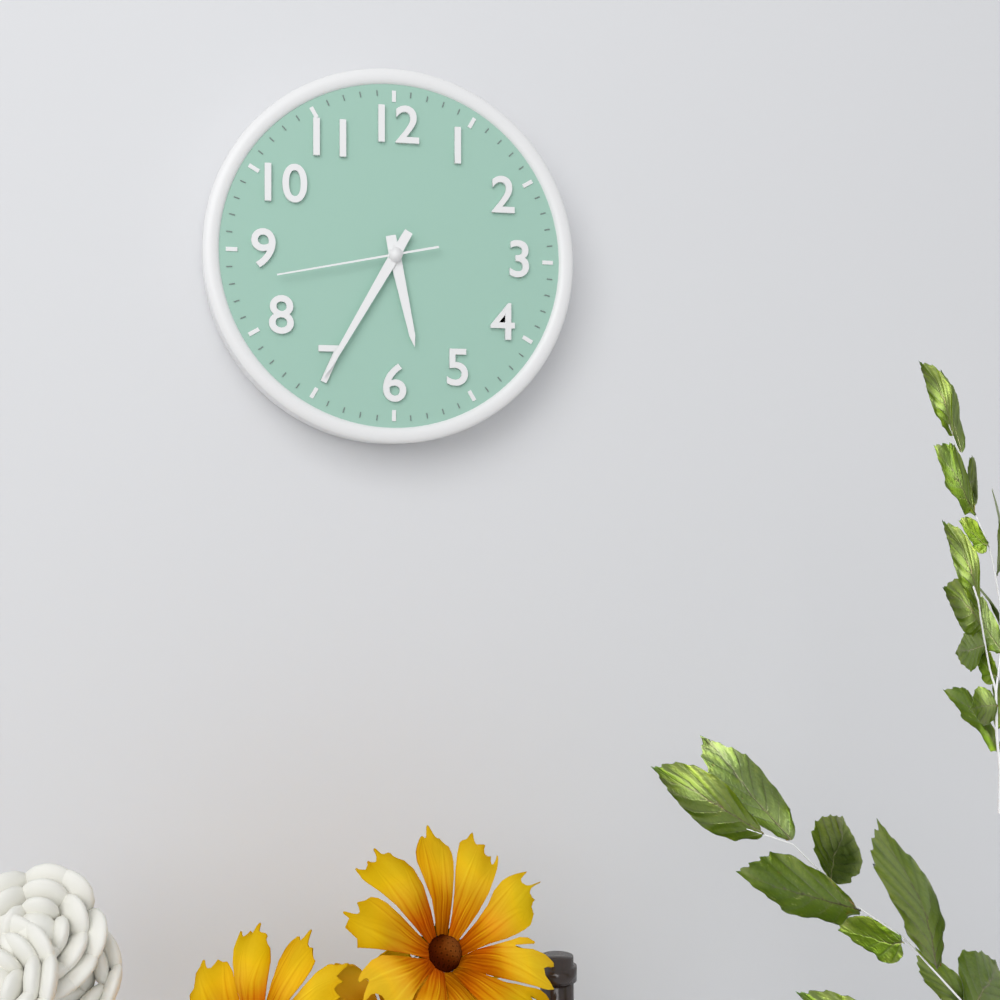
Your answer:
5 h 35 min 43 s
